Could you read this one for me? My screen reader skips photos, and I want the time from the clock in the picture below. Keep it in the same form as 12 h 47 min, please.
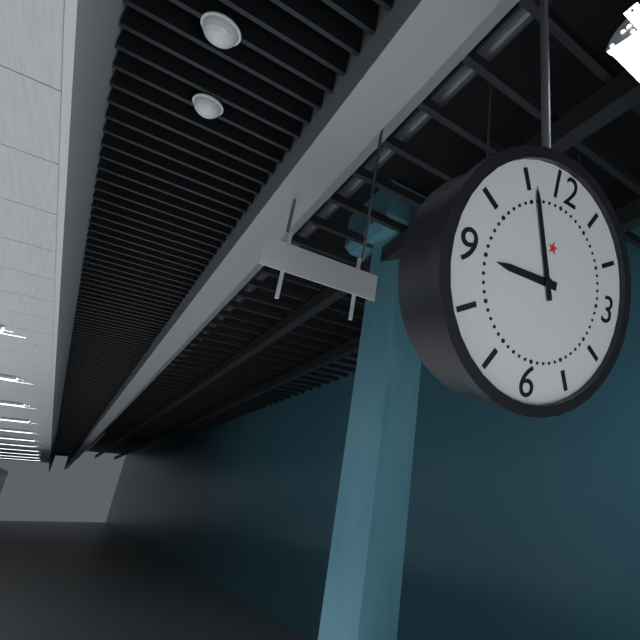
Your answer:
8 h 56 min
